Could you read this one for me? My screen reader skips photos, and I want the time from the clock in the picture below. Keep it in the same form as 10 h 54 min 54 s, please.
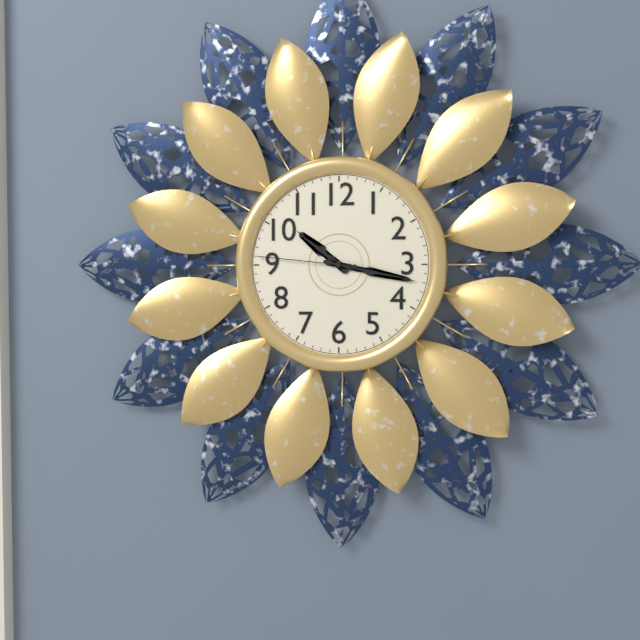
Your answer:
10 h 17 min 46 s
